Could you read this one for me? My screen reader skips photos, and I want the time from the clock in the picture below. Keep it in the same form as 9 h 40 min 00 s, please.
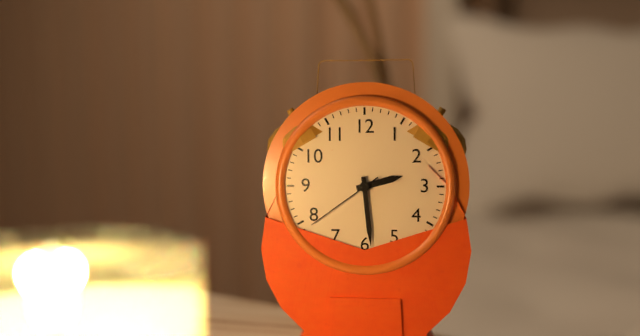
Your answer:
2 h 29 min 39 s
